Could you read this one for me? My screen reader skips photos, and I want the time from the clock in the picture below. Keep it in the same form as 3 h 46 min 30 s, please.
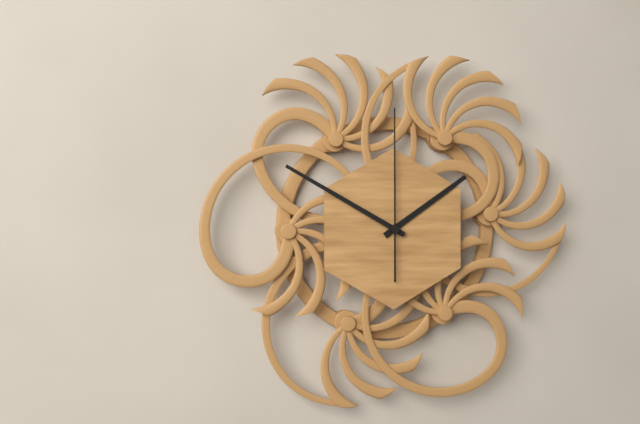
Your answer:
1 h 50 min 00 s
